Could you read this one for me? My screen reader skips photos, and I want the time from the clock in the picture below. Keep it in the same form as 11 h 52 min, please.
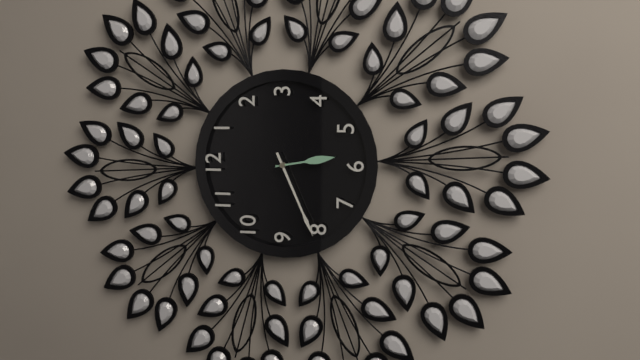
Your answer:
5 h 41 min
